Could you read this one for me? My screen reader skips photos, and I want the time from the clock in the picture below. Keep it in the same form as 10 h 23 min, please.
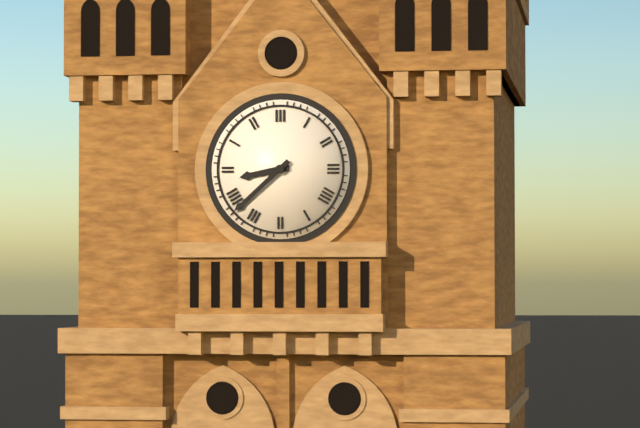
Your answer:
8 h 38 min
